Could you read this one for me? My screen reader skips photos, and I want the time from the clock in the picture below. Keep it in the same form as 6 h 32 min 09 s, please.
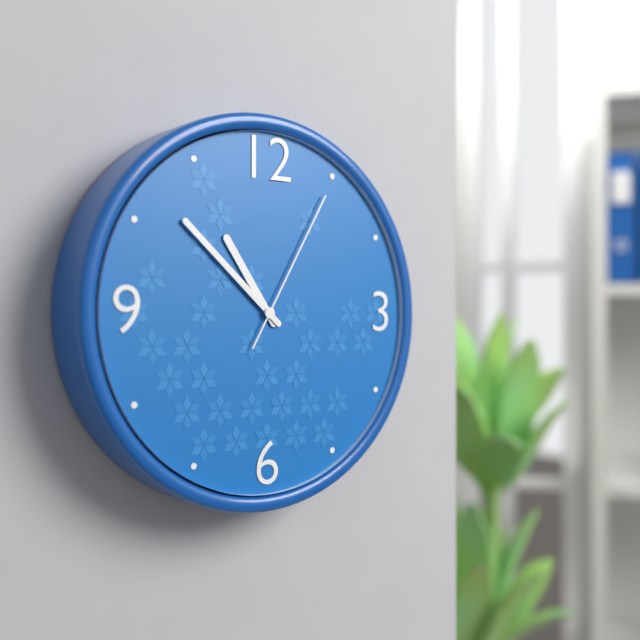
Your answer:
10 h 52 min 05 s
